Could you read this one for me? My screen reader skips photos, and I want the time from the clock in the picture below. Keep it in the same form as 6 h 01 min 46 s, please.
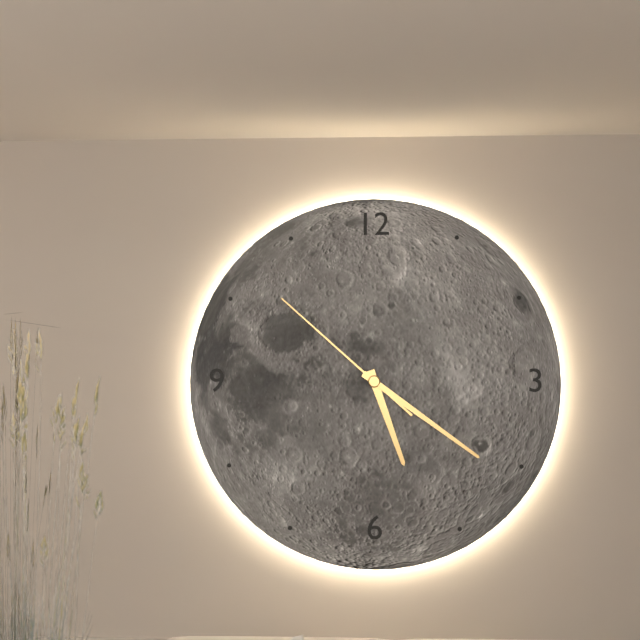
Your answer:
5 h 21 min 52 s
